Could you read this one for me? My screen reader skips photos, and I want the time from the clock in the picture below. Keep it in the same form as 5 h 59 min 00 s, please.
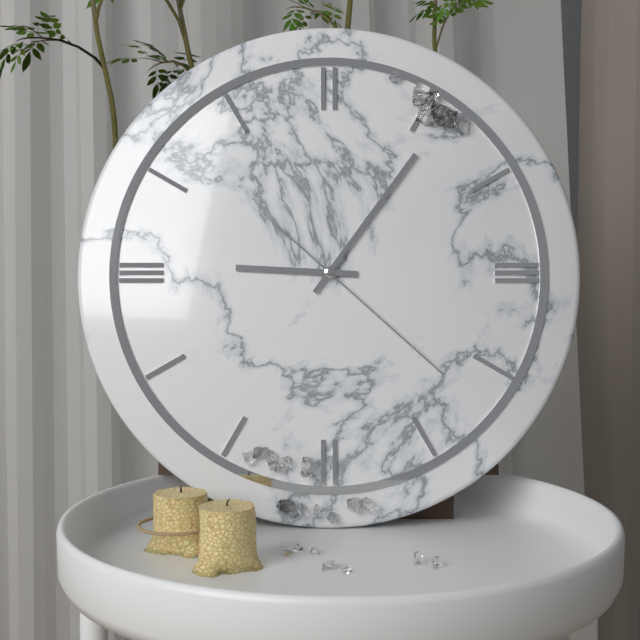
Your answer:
9 h 06 min 22 s
